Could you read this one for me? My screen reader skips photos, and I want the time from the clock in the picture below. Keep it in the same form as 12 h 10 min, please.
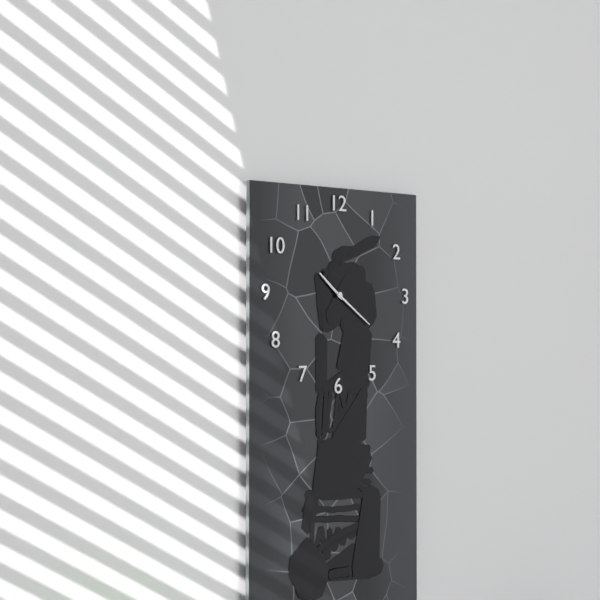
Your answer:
10 h 21 min
